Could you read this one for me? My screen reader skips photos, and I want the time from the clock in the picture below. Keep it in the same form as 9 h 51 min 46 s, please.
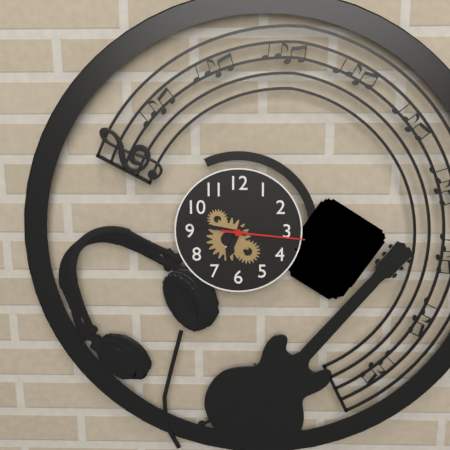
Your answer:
6 h 47 min 16 s
